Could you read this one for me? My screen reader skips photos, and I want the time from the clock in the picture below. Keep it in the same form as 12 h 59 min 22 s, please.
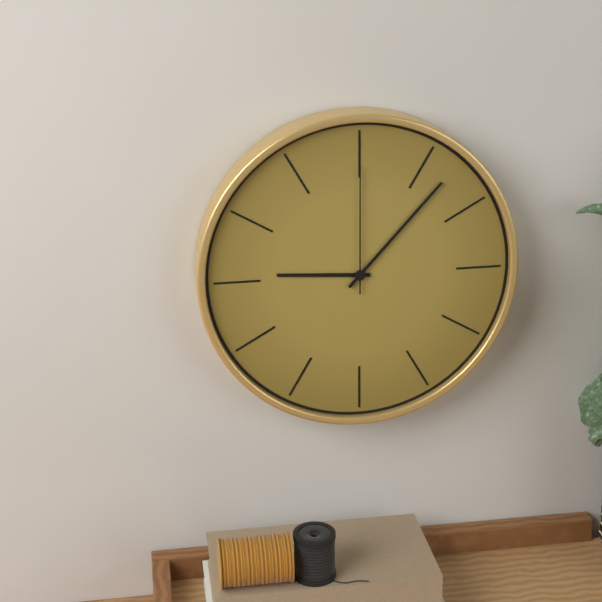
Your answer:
9 h 07 min 00 s
